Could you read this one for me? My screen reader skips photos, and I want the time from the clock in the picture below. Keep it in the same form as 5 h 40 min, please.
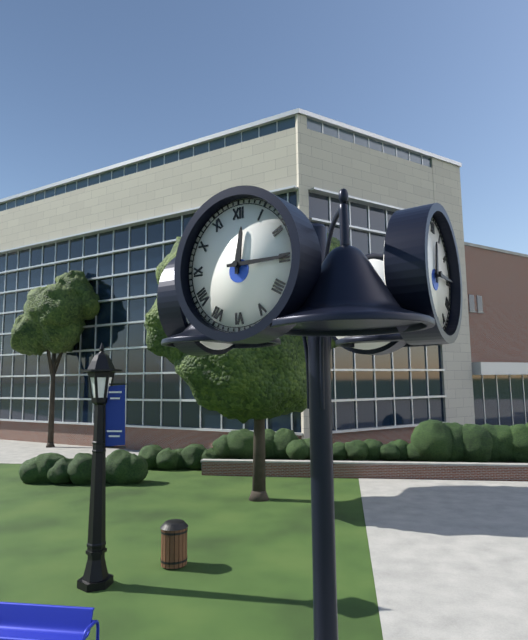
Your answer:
12 h 15 min
